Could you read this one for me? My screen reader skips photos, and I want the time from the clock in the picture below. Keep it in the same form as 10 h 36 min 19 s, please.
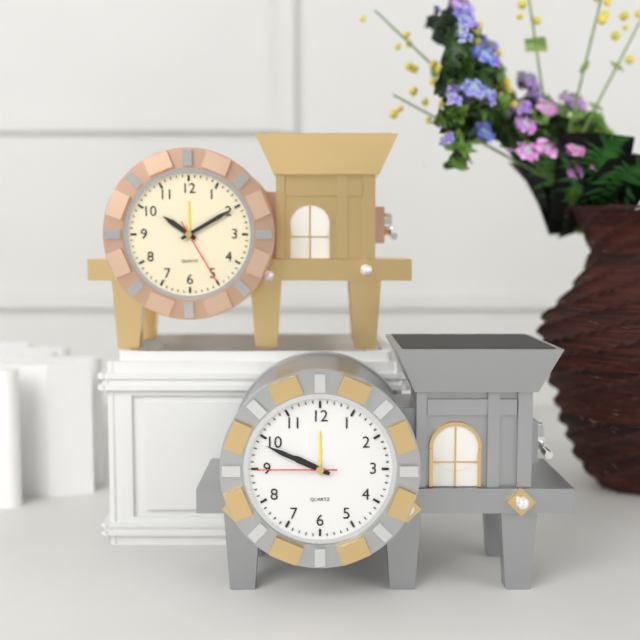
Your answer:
9 h 49 min 45 s
